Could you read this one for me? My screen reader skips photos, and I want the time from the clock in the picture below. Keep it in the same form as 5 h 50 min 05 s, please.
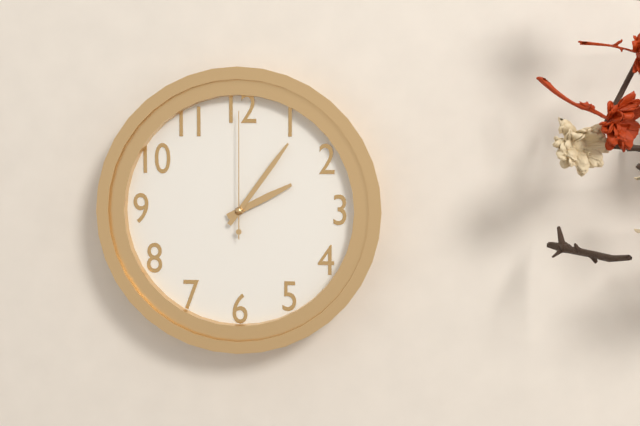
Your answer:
2 h 06 min 00 s
